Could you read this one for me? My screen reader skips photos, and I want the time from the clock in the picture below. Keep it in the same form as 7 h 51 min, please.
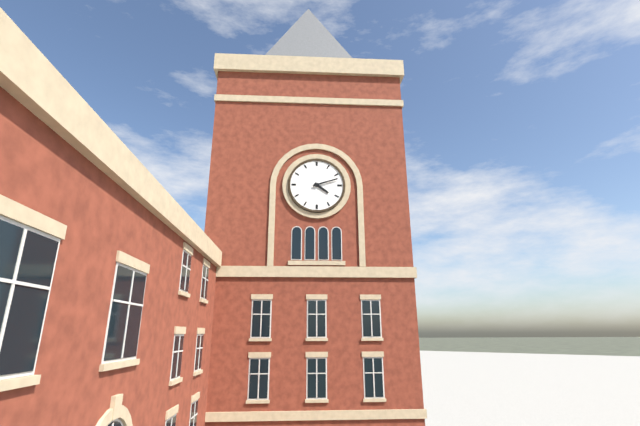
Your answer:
4 h 12 min
